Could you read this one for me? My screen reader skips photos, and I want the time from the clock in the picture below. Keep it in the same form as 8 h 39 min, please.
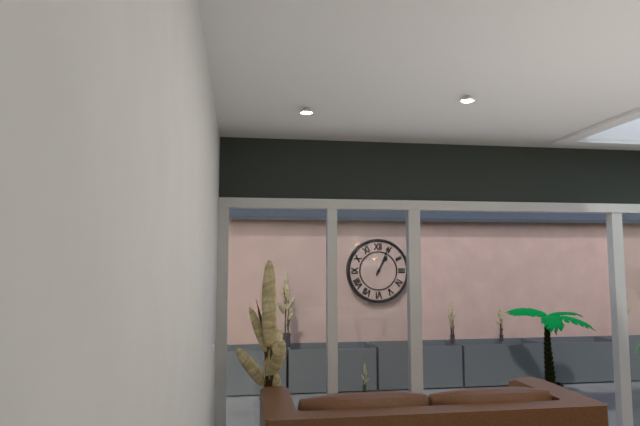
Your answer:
1 h 04 min
